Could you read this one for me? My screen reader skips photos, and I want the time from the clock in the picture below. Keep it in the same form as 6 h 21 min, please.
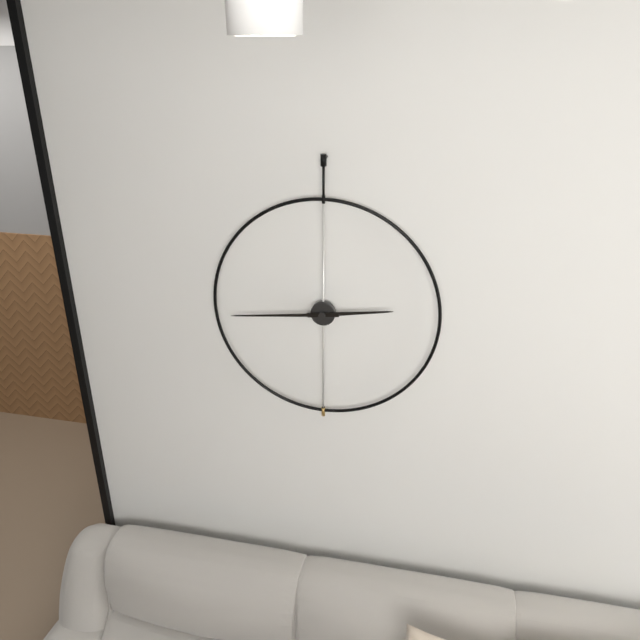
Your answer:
2 h 44 min
